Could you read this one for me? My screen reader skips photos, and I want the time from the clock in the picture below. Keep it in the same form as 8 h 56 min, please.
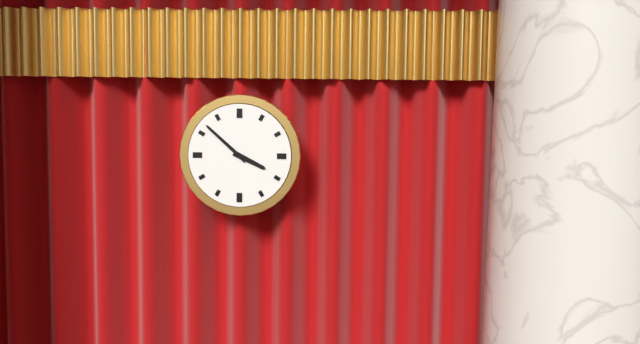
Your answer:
3 h 52 min
